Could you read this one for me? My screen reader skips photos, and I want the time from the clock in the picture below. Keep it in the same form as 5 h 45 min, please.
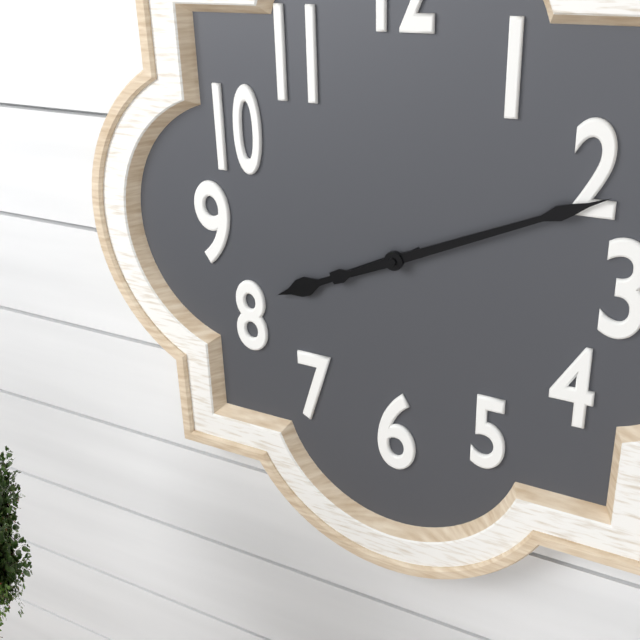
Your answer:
8 h 11 min
